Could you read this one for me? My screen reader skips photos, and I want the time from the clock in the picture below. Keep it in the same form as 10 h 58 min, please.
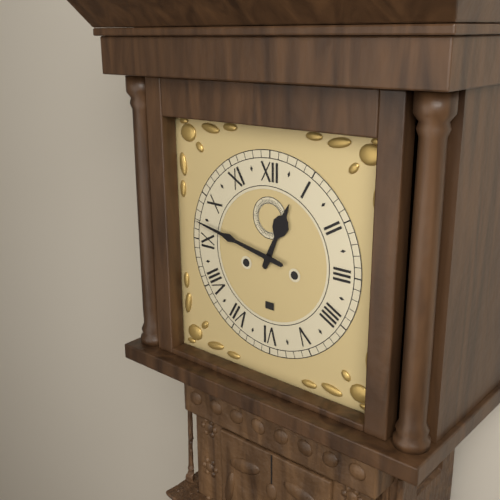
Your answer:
12 h 47 min
